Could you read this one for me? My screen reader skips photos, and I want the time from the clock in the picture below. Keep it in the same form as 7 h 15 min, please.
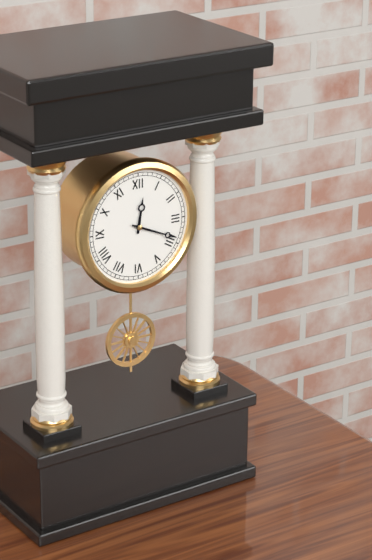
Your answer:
12 h 19 min
